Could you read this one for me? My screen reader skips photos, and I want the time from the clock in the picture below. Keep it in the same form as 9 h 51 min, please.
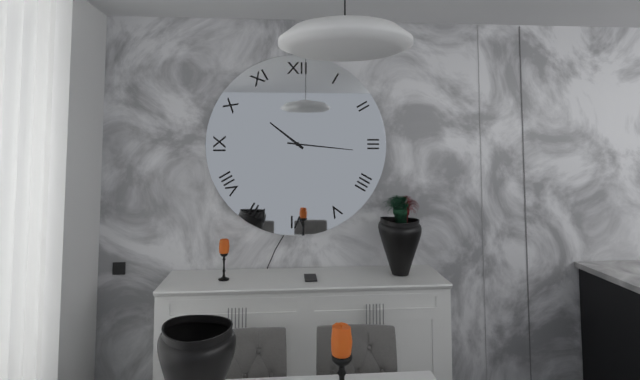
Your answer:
10 h 16 min
